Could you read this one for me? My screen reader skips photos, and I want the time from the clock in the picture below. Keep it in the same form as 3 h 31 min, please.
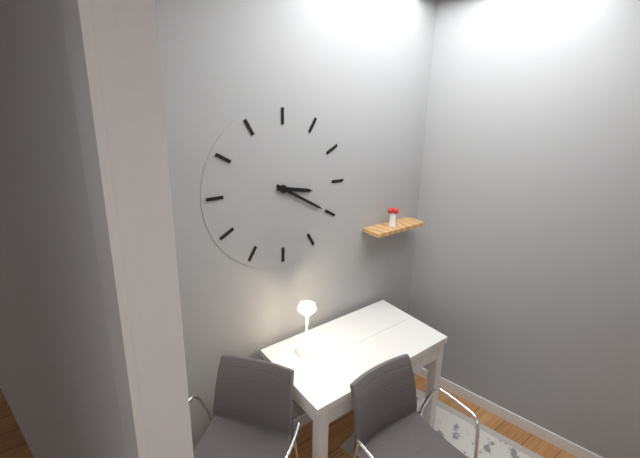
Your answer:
3 h 20 min
